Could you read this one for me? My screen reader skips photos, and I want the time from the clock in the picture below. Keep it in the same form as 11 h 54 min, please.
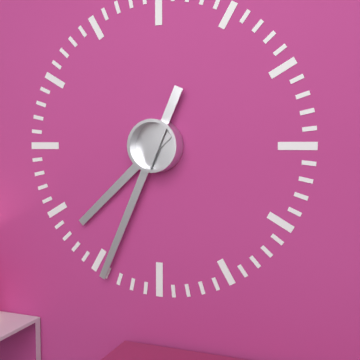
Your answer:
7 h 34 min
